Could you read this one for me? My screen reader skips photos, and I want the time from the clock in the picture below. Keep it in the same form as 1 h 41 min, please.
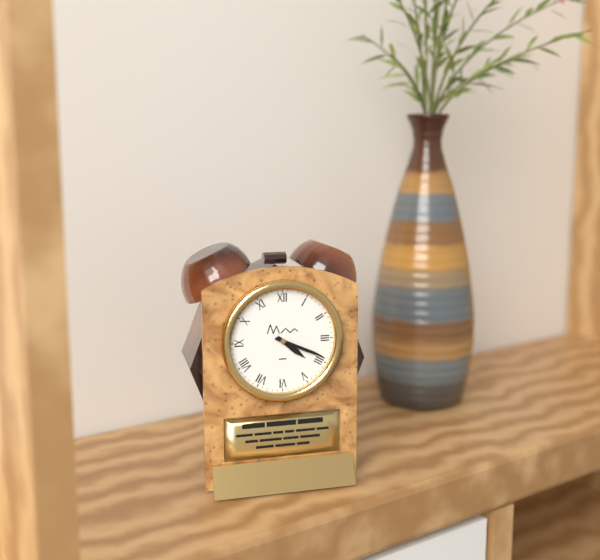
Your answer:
4 h 19 min
